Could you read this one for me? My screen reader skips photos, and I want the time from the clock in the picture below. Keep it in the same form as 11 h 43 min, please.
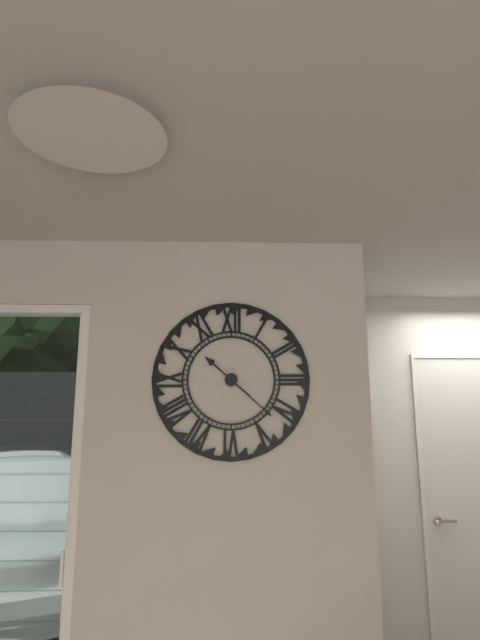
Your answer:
10 h 22 min
